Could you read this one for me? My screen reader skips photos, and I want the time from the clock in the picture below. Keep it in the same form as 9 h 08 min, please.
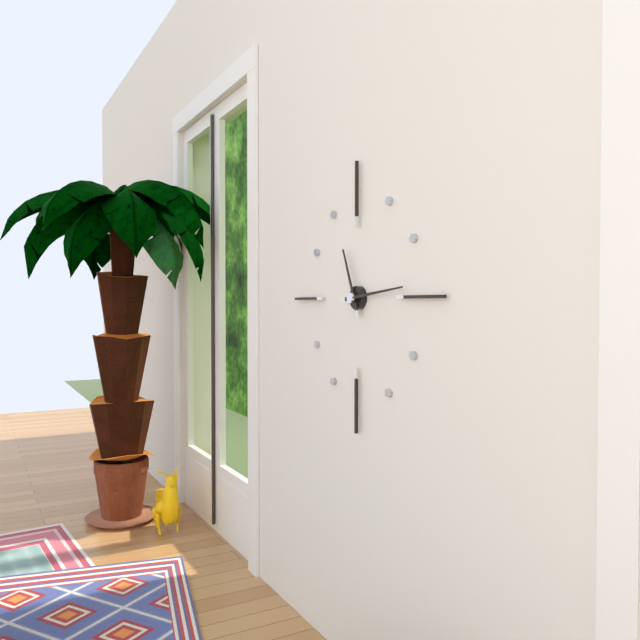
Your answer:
11 h 14 min
